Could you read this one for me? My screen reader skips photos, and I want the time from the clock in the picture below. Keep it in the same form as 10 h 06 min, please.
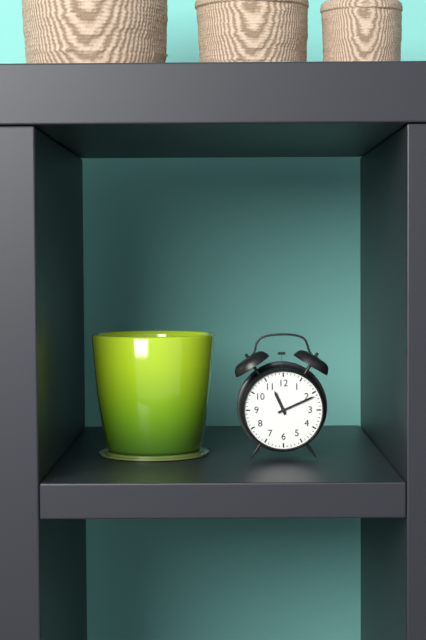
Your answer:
11 h 11 min
